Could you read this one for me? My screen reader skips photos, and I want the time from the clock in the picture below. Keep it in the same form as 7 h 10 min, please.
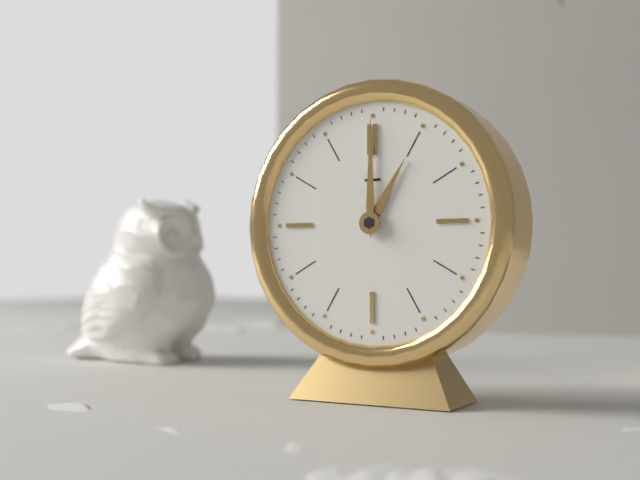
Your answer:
1 h 00 min
